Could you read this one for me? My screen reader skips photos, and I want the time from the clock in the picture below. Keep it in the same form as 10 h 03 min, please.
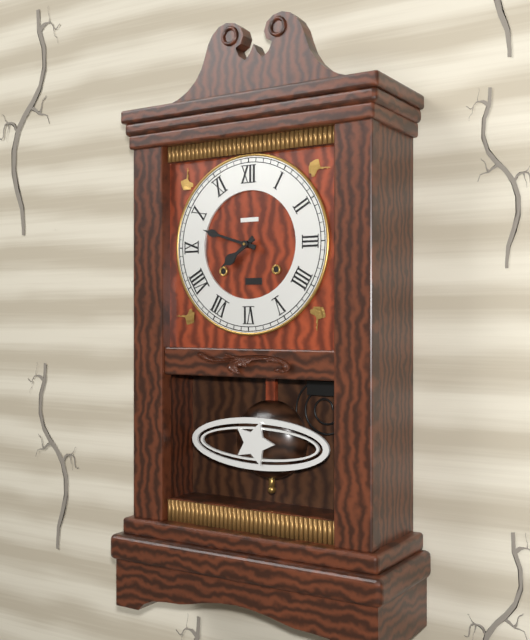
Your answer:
7 h 48 min
